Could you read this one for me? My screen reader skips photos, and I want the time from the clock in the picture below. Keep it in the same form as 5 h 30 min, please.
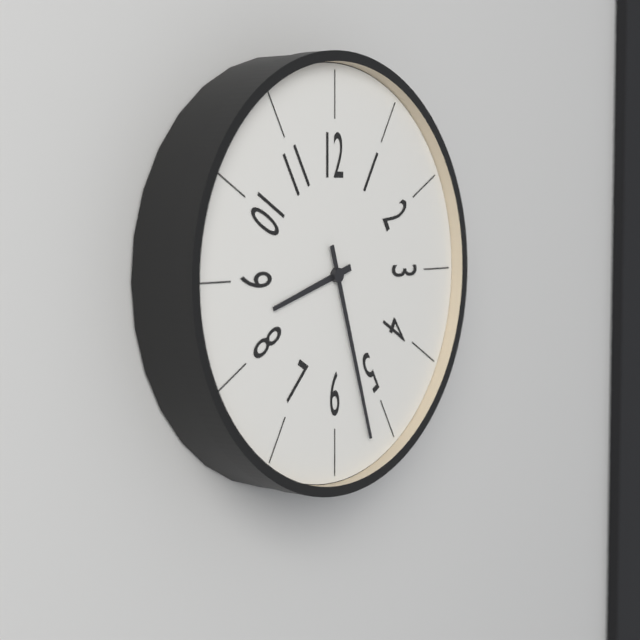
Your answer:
8 h 27 min
